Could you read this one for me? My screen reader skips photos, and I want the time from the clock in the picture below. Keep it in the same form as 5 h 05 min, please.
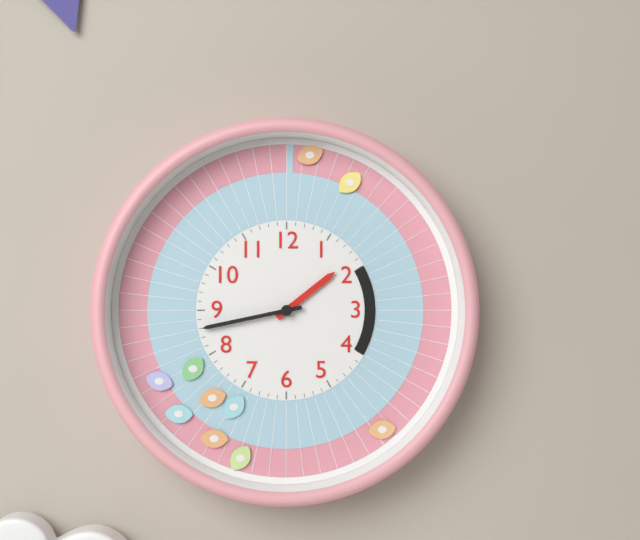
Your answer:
1 h 43 min
